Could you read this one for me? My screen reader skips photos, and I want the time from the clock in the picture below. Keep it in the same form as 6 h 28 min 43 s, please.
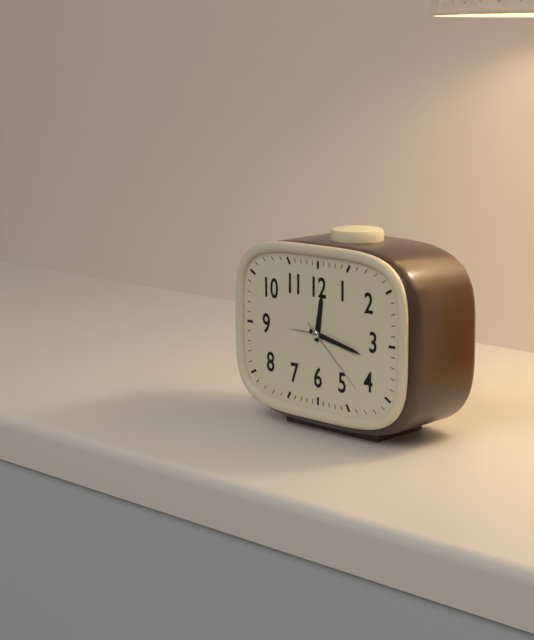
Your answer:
12 h 17 min 22 s
